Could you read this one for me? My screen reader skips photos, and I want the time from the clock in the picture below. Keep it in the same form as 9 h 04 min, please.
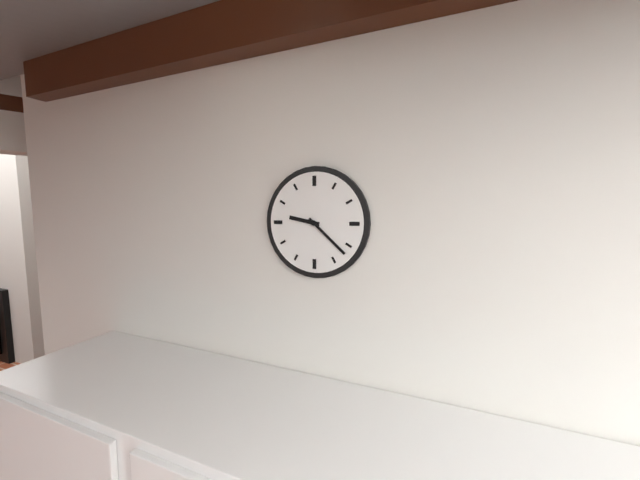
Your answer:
9 h 22 min
